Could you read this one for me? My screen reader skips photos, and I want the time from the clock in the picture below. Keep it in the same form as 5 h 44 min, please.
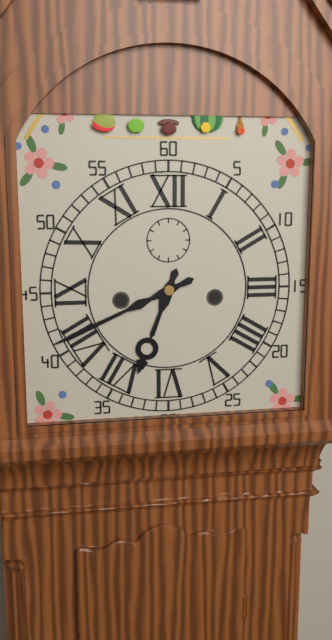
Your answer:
6 h 41 min
